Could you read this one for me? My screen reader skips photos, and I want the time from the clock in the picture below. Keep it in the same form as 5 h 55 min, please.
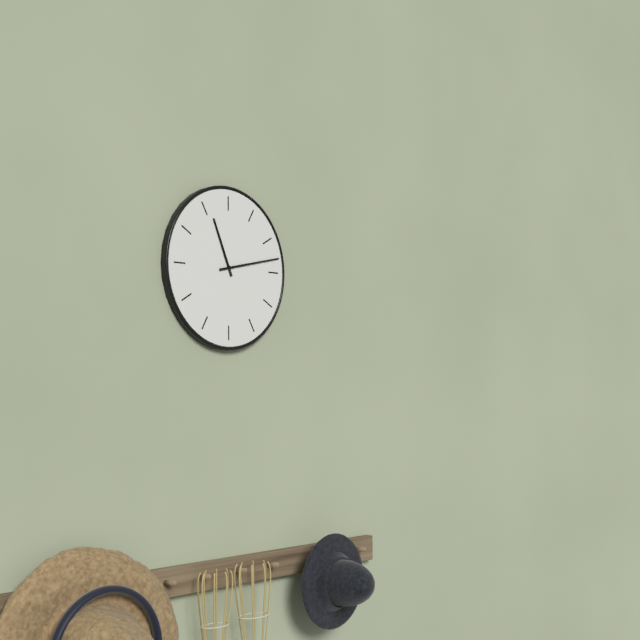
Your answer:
11 h 13 min
